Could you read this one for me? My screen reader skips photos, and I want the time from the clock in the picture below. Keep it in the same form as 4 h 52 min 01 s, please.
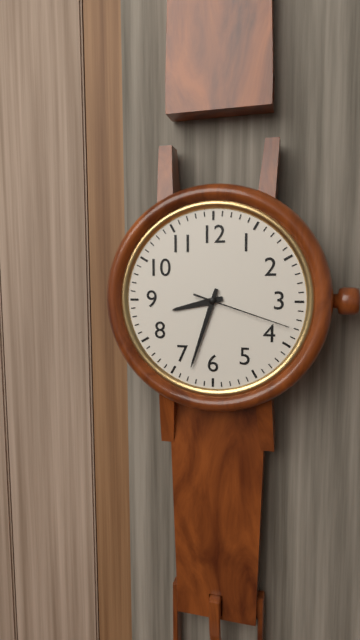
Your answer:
8 h 33 min 18 s
